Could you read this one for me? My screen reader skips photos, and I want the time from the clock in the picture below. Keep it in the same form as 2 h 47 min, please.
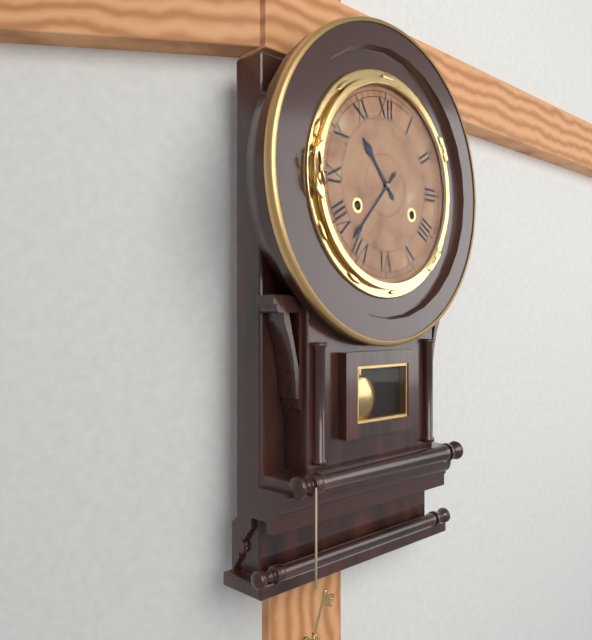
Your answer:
10 h 37 min
